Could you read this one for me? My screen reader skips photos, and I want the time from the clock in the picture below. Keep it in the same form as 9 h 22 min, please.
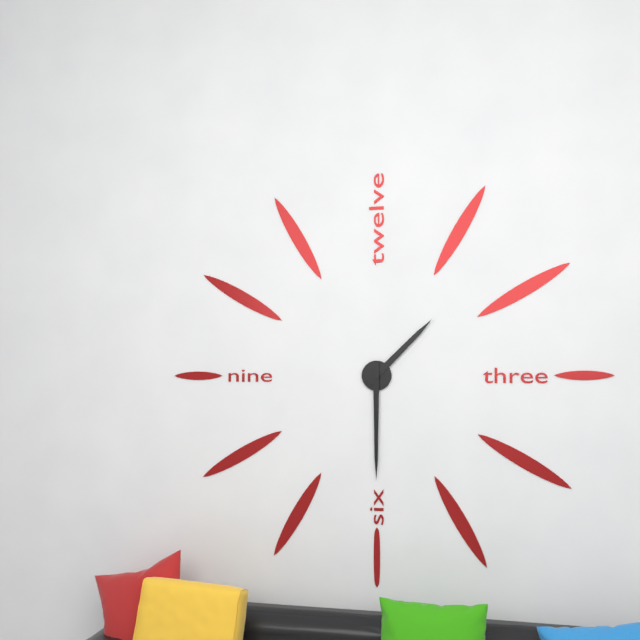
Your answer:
1 h 30 min
